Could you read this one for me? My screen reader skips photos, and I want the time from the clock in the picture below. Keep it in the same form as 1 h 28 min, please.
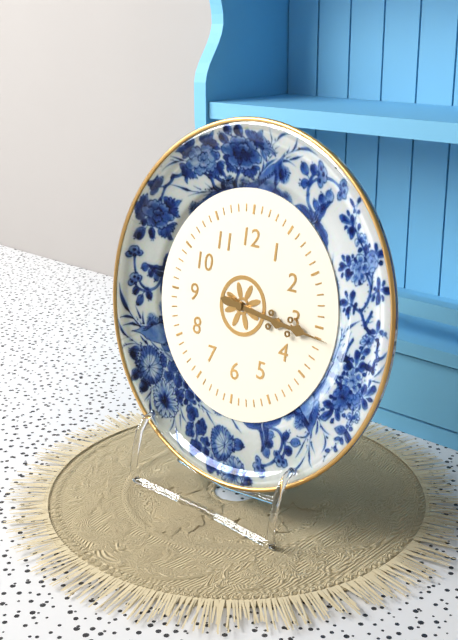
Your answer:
3 h 16 min
